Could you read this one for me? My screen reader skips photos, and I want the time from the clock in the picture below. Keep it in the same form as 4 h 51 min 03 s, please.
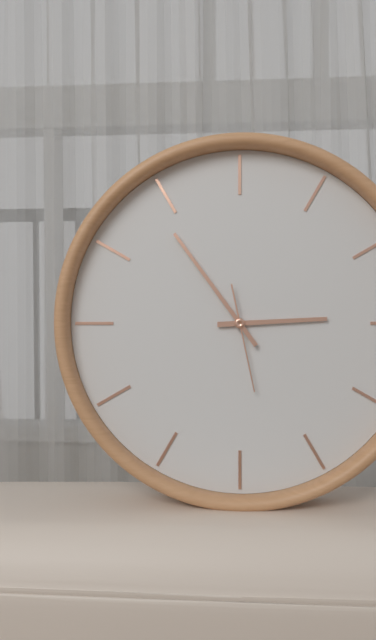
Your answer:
2 h 54 min 28 s
